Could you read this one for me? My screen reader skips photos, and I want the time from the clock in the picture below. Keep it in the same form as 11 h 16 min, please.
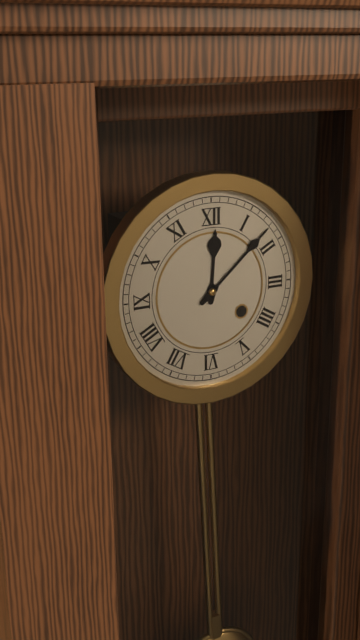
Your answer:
12 h 08 min
